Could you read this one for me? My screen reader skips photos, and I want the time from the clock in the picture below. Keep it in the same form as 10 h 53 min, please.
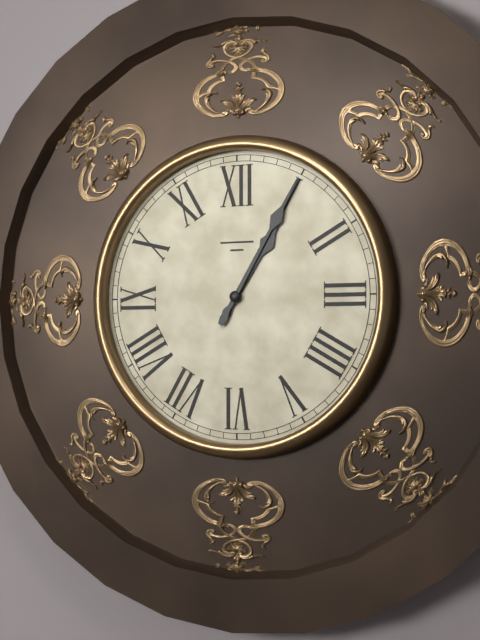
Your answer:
1 h 05 min
